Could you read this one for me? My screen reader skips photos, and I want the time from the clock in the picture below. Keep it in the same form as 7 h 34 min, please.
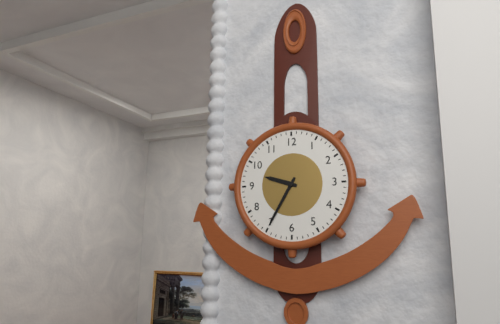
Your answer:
9 h 35 min
